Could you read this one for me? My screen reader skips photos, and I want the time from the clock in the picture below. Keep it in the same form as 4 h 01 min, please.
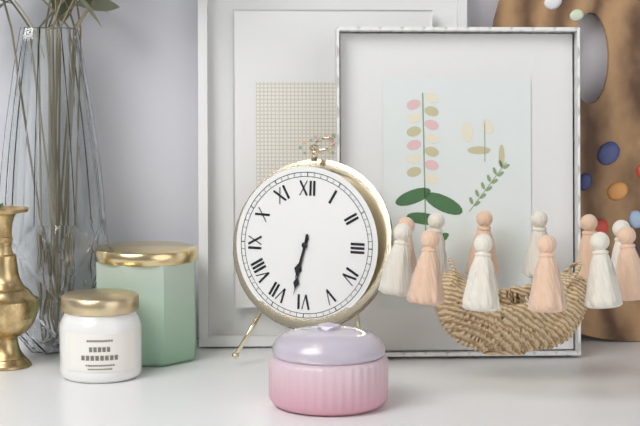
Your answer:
6 h 32 min
